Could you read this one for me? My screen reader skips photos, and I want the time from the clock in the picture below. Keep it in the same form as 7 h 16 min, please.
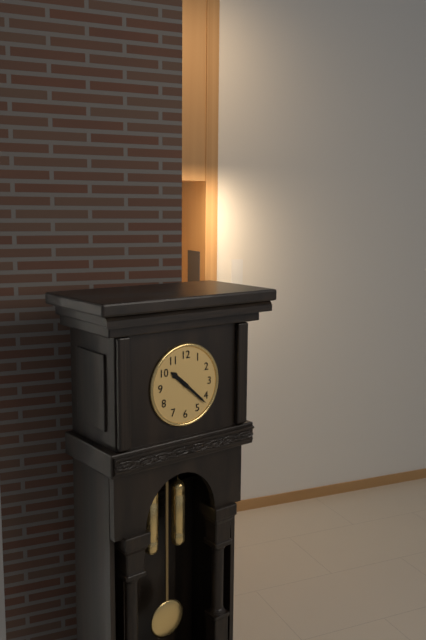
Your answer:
10 h 22 min
